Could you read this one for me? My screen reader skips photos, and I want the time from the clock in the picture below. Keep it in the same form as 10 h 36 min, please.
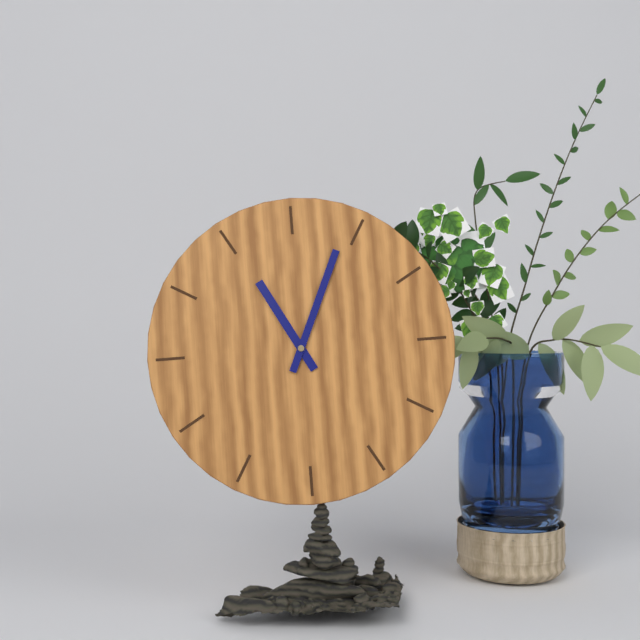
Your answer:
11 h 04 min
